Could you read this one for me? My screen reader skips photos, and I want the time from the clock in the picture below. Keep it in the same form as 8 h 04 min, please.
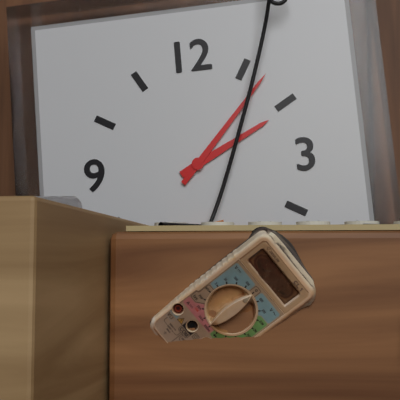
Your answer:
2 h 07 min
